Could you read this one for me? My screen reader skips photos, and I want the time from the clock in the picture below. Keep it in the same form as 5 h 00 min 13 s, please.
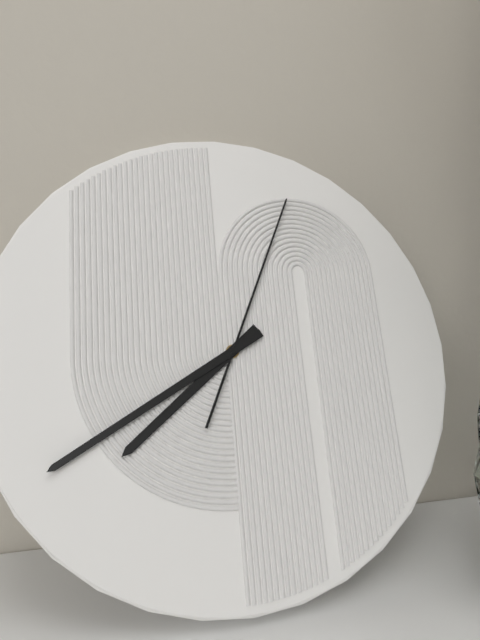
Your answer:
7 h 40 min 04 s
